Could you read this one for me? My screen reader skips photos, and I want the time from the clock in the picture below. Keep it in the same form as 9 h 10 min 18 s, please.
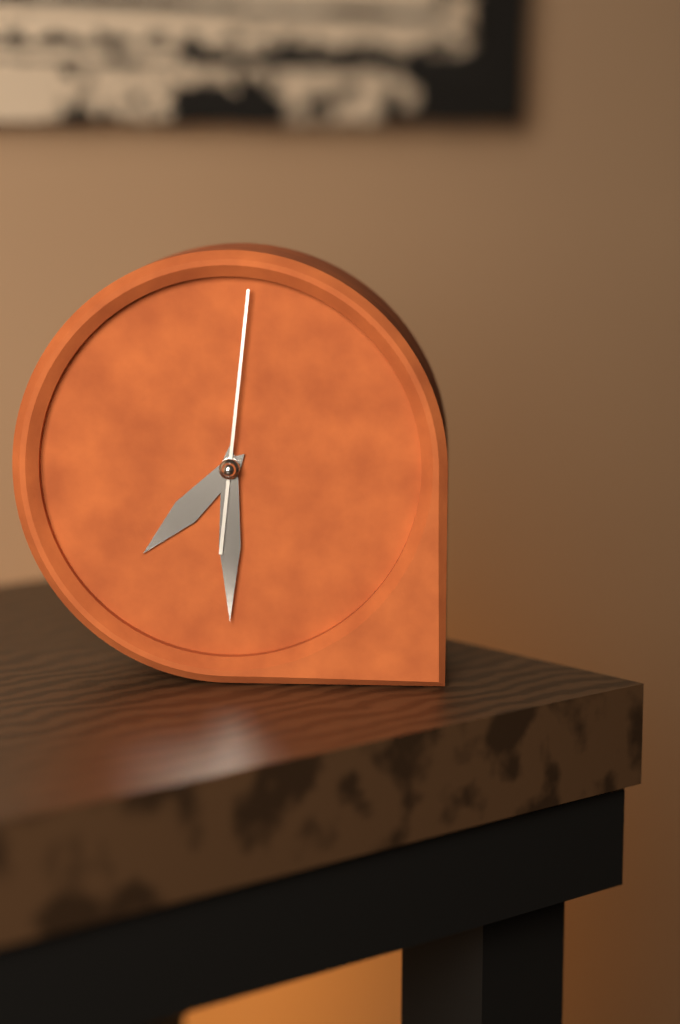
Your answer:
7 h 30 min 01 s
